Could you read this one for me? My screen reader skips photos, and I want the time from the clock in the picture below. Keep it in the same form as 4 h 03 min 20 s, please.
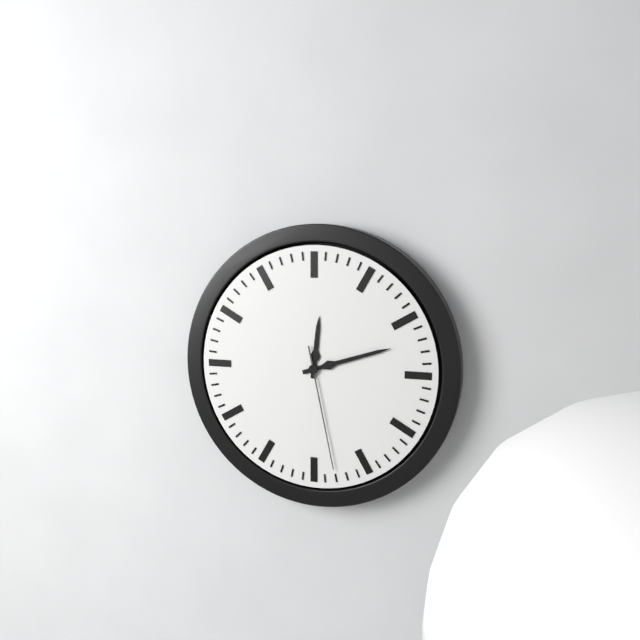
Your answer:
12 h 12 min 28 s
